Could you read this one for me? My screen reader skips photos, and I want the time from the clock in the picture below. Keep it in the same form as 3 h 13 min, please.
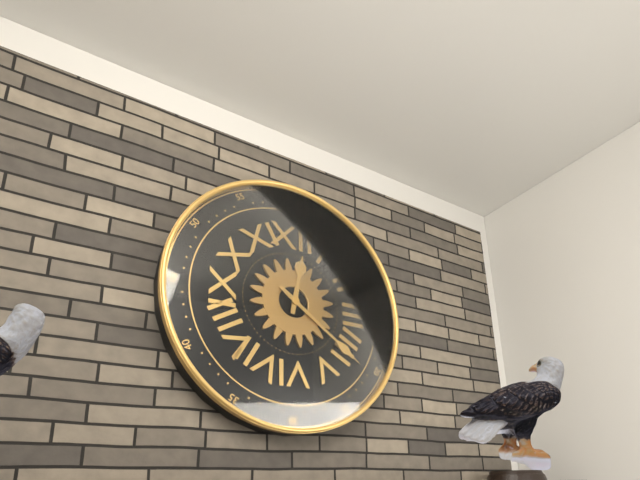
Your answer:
12 h 21 min
